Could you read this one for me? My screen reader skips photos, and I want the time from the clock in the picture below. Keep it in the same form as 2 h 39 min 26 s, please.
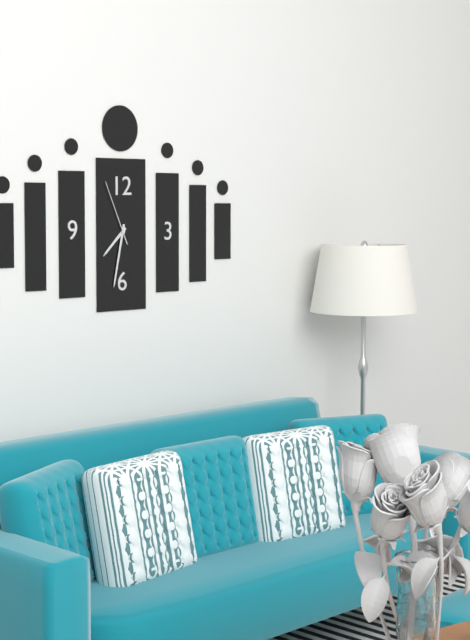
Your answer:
7 h 32 min 56 s
